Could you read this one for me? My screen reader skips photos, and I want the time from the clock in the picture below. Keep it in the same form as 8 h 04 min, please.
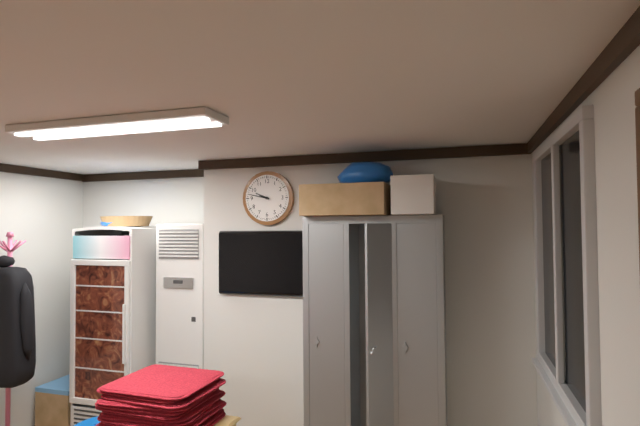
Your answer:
9 h 47 min
